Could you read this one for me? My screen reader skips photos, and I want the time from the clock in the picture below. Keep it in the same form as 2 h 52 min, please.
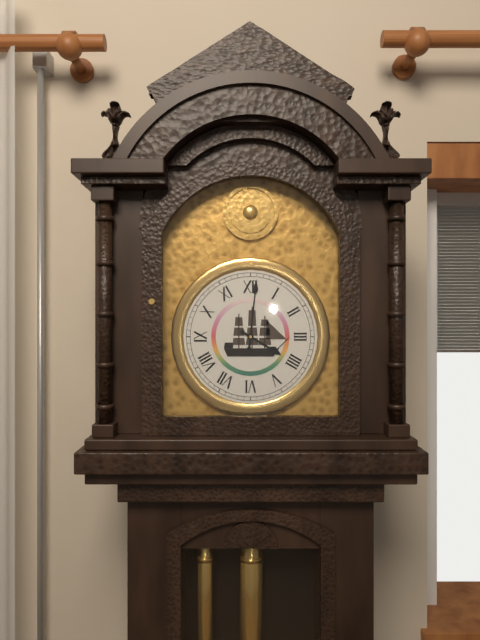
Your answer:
4 h 01 min
